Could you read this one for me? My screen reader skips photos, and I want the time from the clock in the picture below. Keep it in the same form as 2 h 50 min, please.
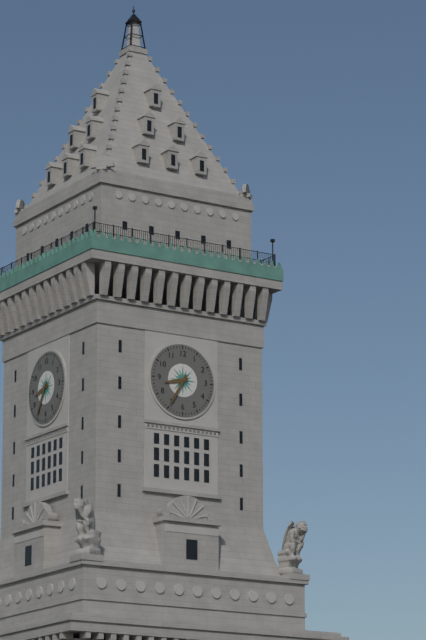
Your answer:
8 h 35 min
